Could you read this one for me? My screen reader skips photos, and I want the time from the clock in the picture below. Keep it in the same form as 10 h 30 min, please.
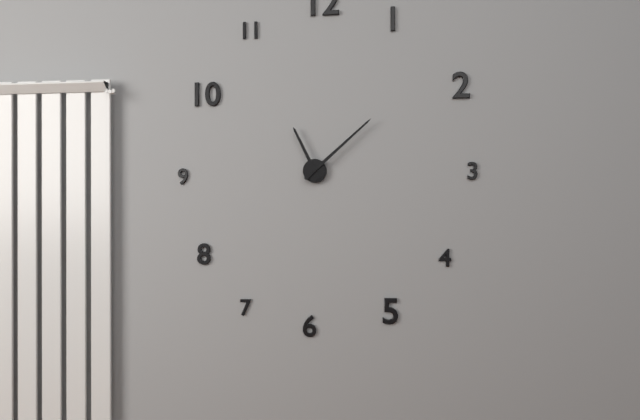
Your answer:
11 h 08 min
